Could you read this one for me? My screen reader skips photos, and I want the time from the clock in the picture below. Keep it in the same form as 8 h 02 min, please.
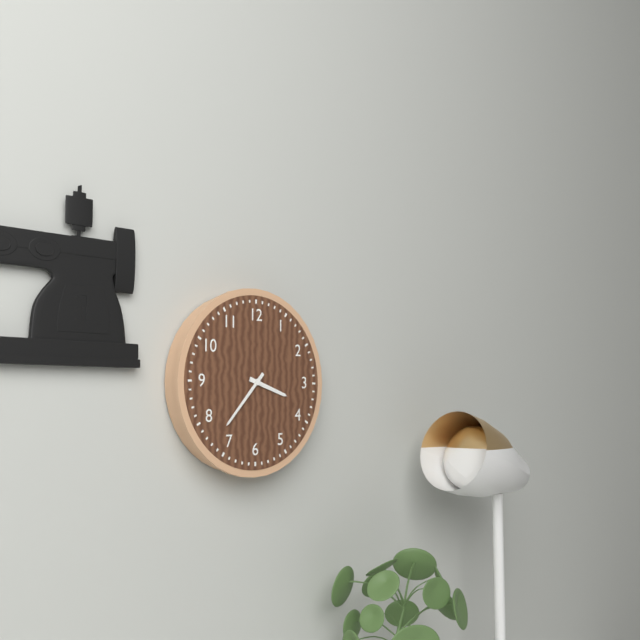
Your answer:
3 h 37 min
